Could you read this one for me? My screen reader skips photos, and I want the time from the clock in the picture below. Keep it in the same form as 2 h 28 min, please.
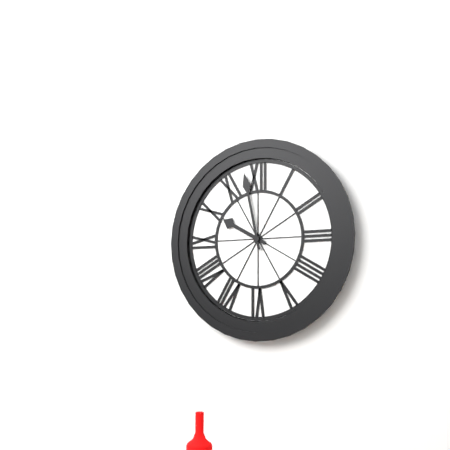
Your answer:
9 h 58 min
